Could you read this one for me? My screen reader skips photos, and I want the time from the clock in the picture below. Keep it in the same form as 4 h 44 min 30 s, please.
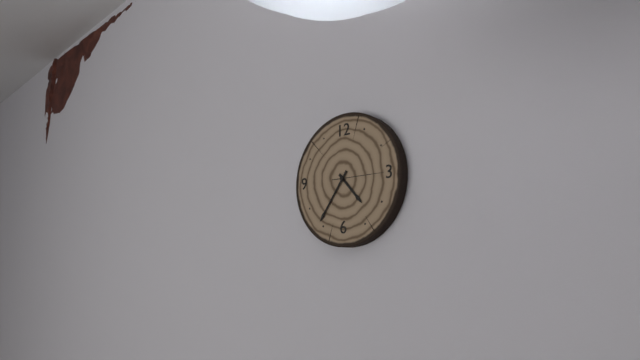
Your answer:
4 h 36 min 15 s
